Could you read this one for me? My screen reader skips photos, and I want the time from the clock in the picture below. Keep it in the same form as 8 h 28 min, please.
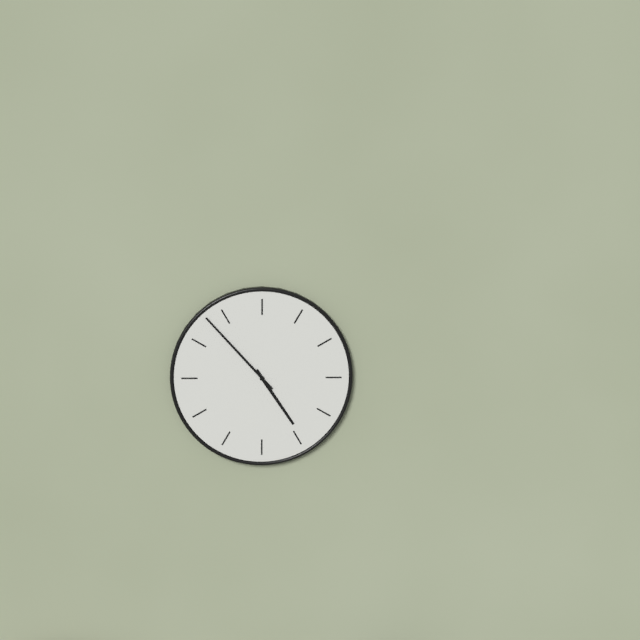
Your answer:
4 h 53 min
